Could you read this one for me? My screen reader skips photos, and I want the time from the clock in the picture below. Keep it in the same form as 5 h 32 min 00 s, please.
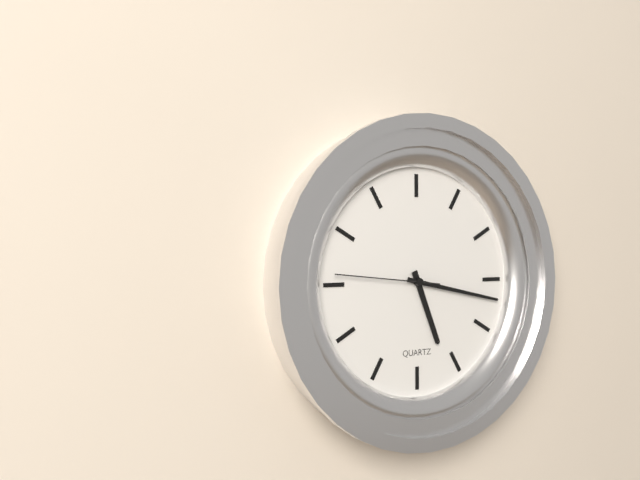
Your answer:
5 h 17 min 46 s
